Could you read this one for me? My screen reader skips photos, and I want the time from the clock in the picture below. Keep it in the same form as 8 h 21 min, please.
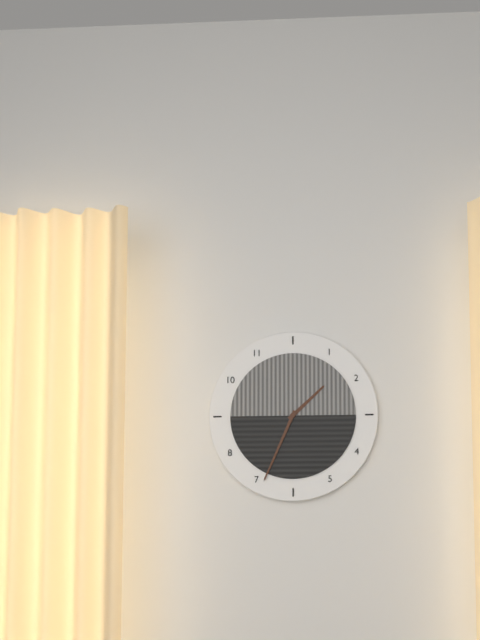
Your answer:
1 h 34 min
